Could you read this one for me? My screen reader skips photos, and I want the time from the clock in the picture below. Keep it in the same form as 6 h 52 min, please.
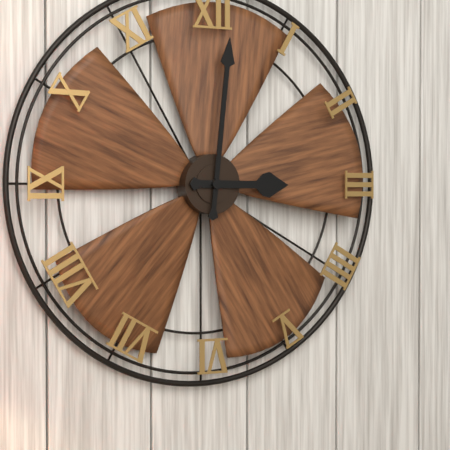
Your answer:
3 h 01 min
